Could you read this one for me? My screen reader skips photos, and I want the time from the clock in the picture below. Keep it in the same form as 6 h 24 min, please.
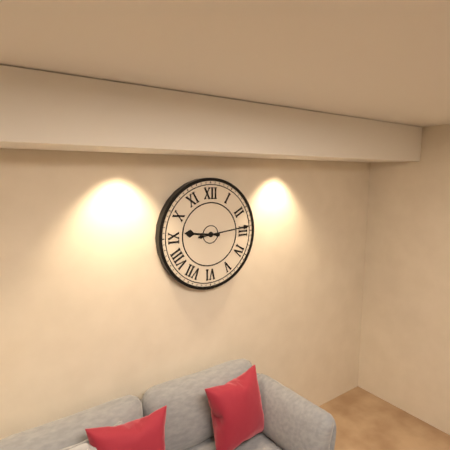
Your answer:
9 h 14 min
